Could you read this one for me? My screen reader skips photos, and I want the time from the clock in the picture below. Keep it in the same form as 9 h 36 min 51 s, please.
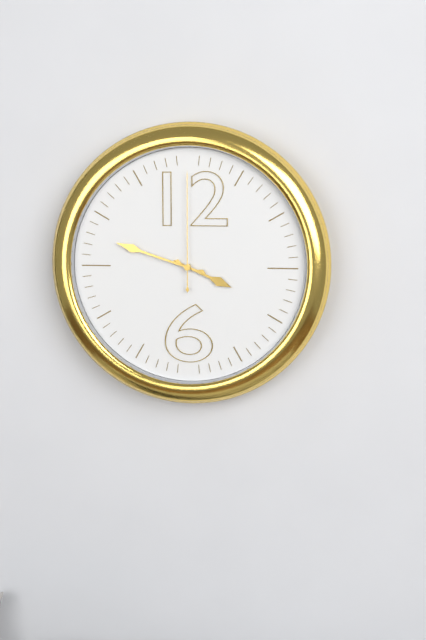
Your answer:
3 h 48 min 00 s
